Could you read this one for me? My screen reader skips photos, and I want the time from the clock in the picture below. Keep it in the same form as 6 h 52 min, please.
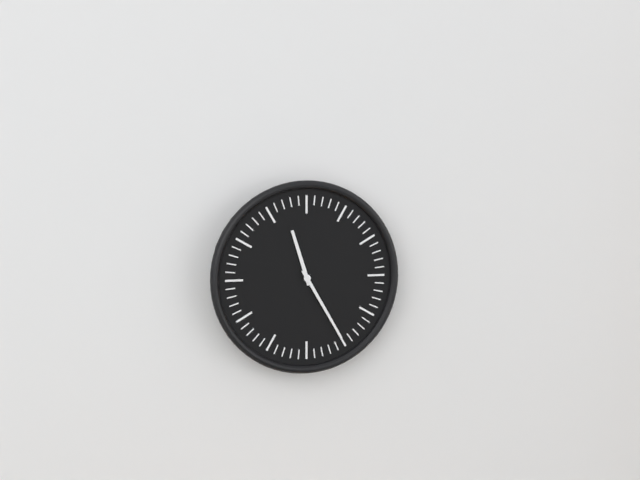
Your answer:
11 h 25 min
